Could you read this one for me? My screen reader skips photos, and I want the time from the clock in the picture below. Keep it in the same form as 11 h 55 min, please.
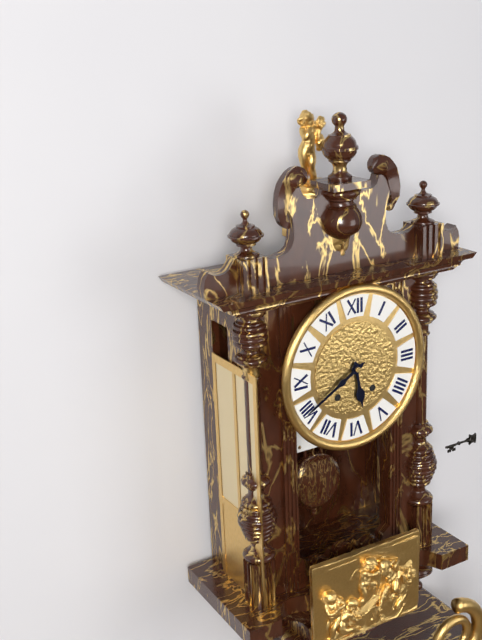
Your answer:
5 h 40 min
